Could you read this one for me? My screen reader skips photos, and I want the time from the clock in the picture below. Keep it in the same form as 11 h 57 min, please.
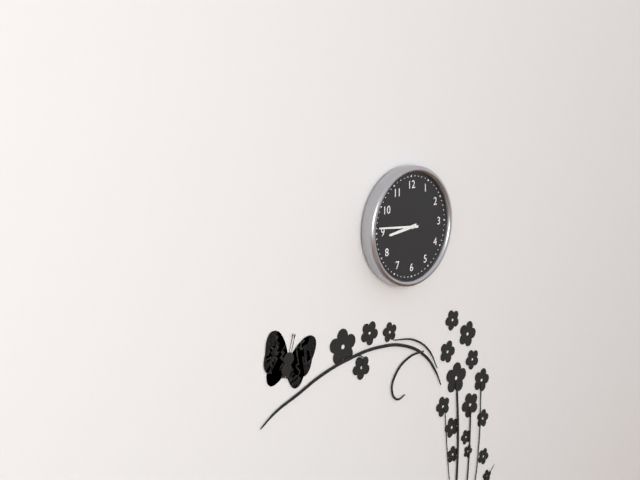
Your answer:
8 h 46 min
